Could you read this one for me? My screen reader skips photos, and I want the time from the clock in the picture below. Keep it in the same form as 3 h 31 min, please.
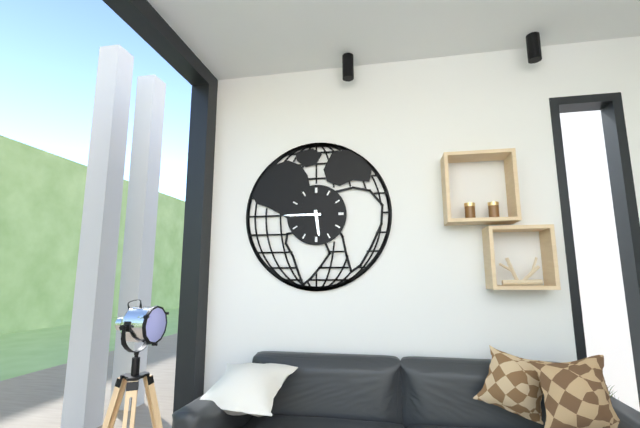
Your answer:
5 h 45 min
